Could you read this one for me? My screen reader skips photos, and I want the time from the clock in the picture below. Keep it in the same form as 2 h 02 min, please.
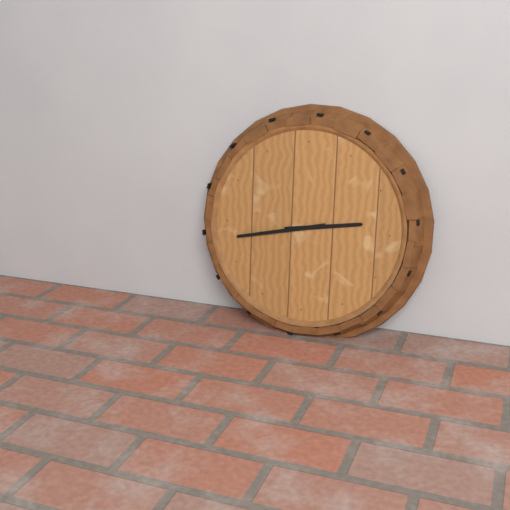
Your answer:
2 h 43 min
